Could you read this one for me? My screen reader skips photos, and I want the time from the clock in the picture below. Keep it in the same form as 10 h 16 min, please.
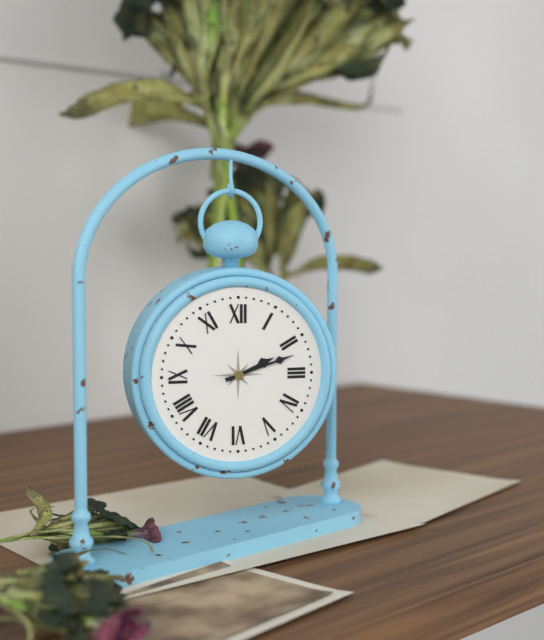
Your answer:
2 h 12 min
